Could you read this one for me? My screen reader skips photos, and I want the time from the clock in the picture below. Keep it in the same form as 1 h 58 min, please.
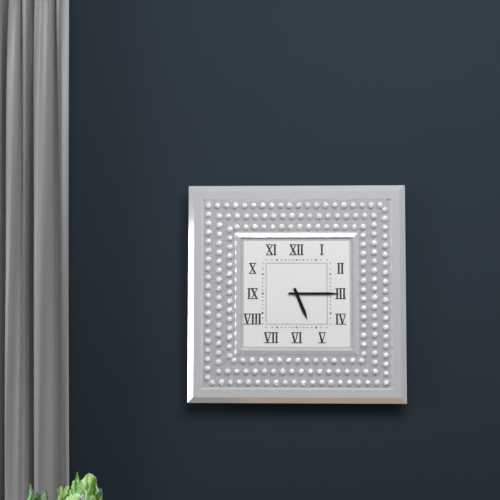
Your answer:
5 h 15 min
